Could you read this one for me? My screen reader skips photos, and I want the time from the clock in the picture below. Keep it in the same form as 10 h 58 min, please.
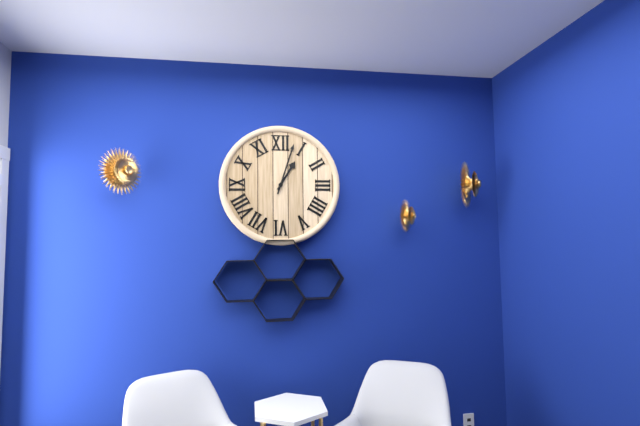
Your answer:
1 h 03 min
